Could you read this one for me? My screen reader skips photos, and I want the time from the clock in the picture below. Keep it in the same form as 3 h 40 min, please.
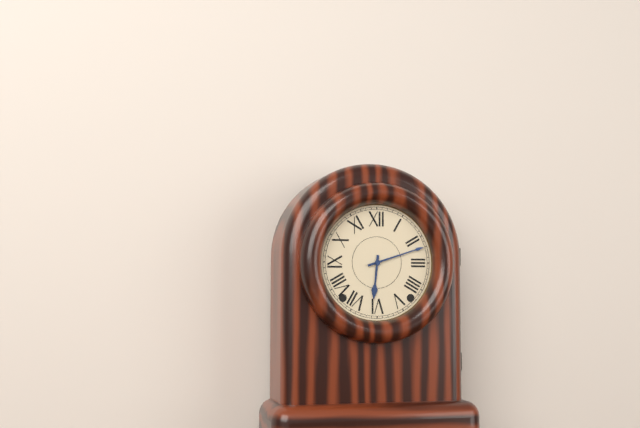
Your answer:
6 h 12 min
